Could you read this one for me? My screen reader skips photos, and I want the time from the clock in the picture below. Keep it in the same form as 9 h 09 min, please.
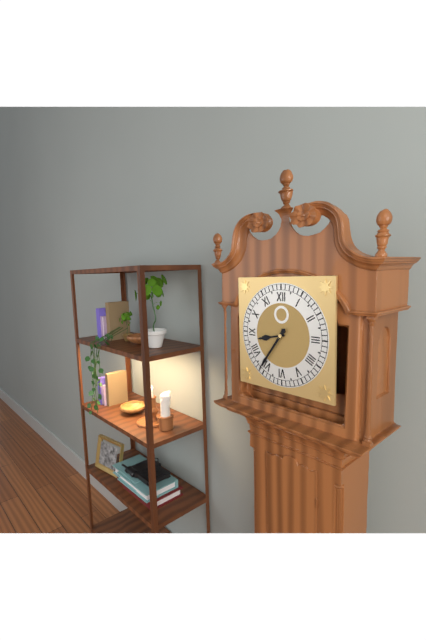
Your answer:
8 h 36 min
